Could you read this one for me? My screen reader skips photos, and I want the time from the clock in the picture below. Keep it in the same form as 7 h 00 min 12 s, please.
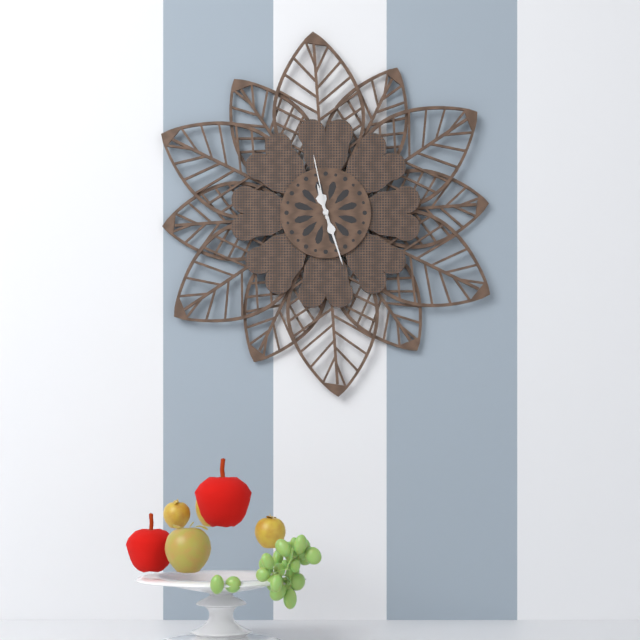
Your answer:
11 h 27 min 58 s
